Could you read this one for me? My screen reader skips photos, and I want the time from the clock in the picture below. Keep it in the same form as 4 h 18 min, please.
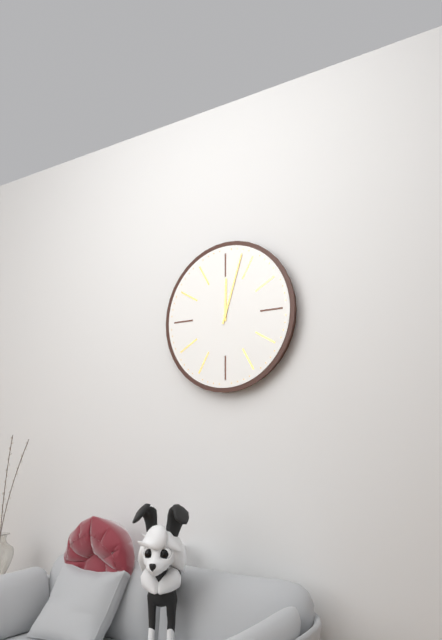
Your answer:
12 h 03 min
